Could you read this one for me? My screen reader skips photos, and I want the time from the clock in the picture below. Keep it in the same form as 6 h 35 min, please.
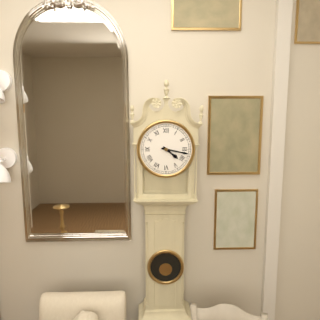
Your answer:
4 h 17 min
